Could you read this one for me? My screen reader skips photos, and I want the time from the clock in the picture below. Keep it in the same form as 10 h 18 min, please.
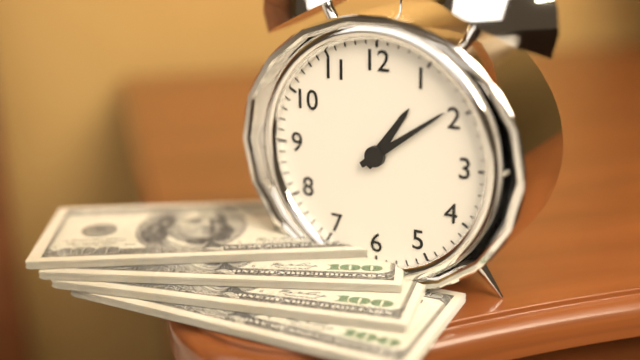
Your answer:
1 h 09 min
